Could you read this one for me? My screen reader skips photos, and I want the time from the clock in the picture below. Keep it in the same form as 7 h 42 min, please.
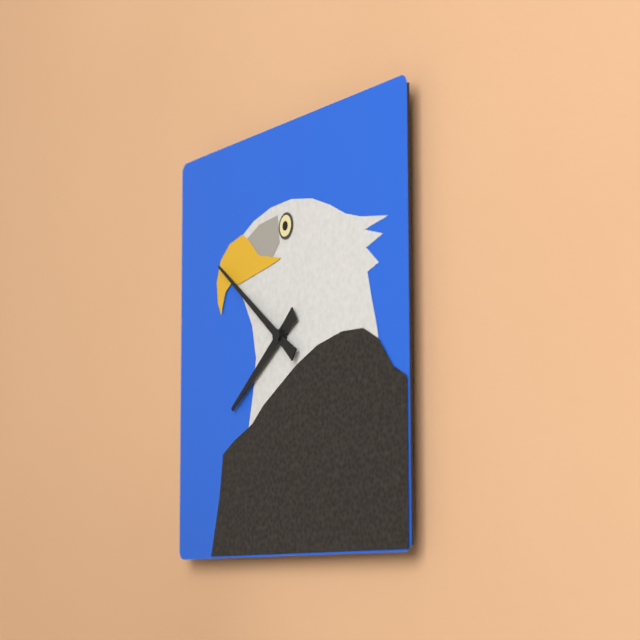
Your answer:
7 h 51 min
